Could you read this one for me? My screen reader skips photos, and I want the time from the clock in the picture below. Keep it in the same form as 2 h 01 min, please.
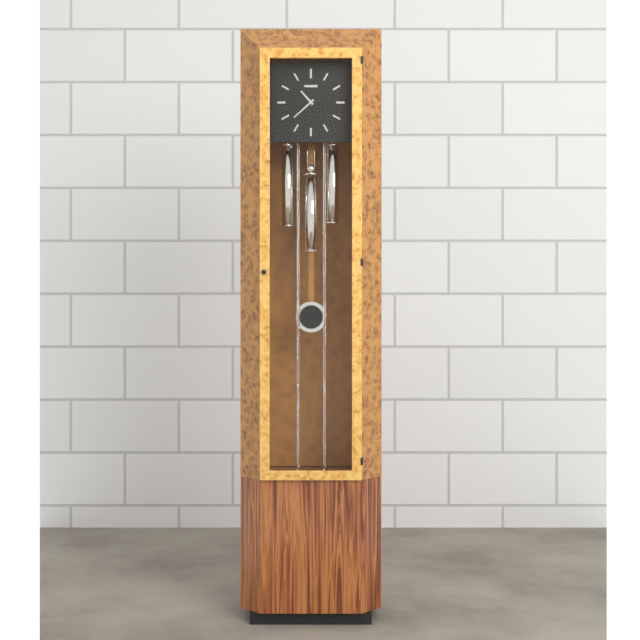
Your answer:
10 h 38 min
